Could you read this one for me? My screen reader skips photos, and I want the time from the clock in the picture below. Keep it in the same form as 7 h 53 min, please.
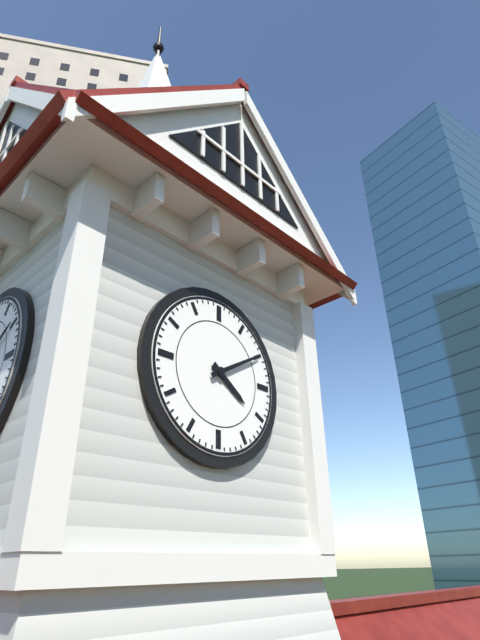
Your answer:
4 h 10 min
